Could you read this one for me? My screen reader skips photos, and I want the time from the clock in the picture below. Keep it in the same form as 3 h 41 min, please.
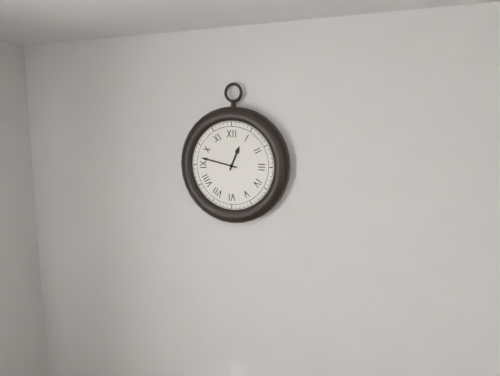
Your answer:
12 h 47 min
